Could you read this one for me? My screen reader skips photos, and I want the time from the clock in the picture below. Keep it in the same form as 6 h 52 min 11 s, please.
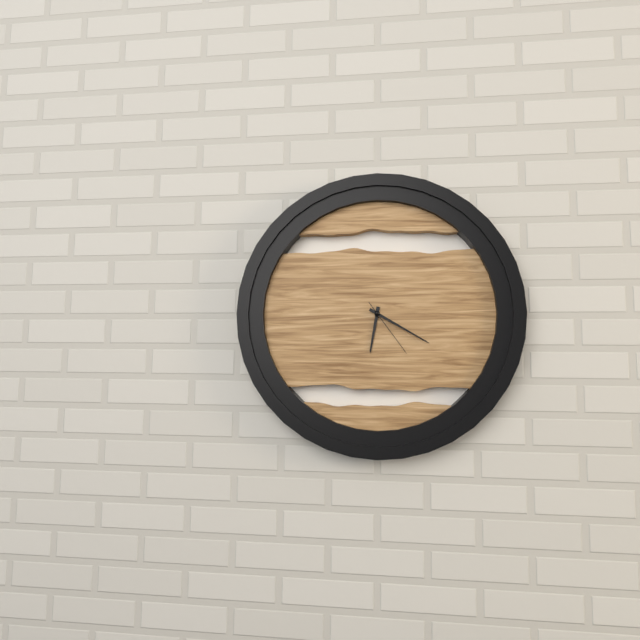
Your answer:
6 h 20 min 24 s
